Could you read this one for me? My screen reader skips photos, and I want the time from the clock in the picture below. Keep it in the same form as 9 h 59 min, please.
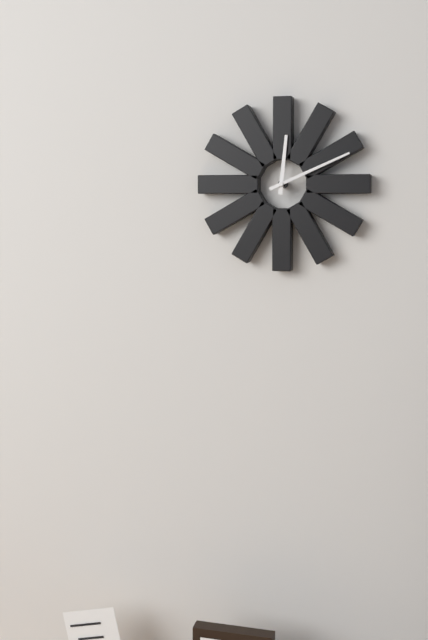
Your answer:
12 h 11 min
